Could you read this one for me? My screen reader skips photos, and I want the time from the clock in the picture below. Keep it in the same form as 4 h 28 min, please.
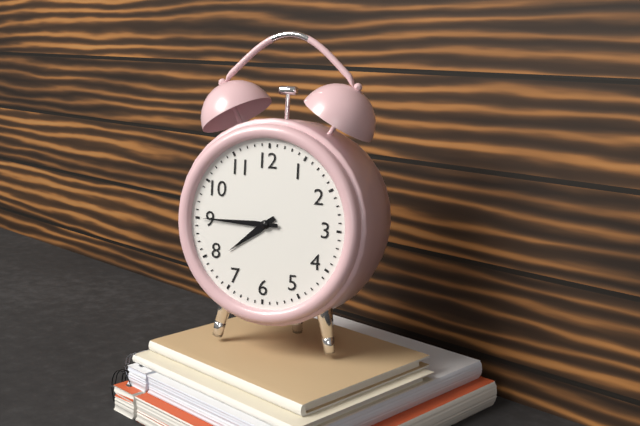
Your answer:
7 h 45 min
